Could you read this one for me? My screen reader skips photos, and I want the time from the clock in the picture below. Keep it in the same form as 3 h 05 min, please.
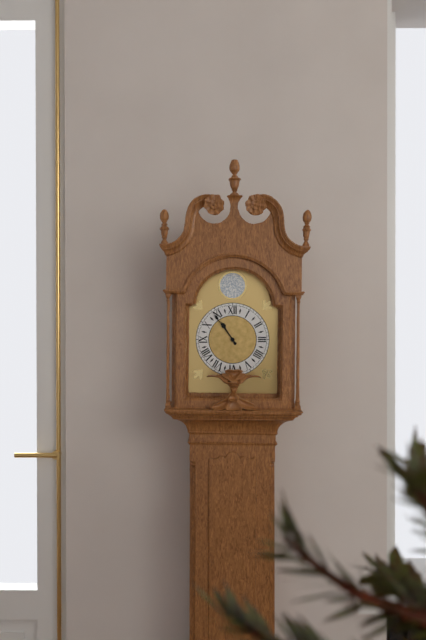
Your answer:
10 h 54 min
